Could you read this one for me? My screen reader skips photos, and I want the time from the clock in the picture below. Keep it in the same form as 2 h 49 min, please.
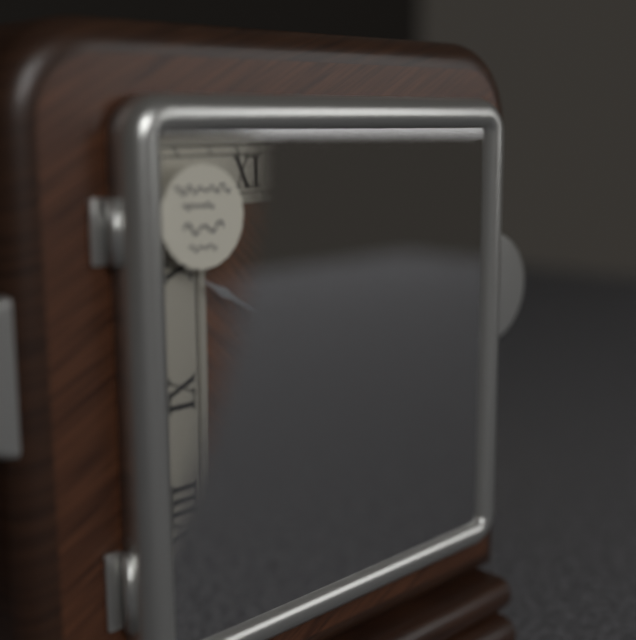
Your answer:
4 h 50 min
